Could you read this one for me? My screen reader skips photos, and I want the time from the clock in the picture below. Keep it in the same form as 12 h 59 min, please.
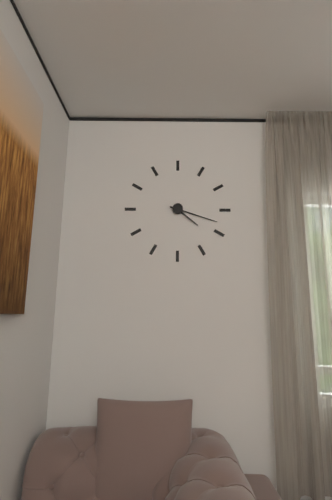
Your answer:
4 h 18 min
